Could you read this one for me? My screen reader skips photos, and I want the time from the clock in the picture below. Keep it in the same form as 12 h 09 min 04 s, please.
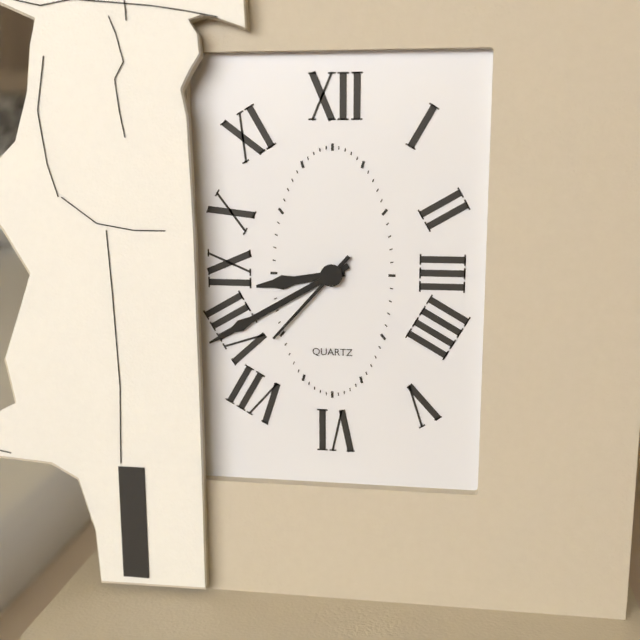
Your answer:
8 h 40 min 37 s
